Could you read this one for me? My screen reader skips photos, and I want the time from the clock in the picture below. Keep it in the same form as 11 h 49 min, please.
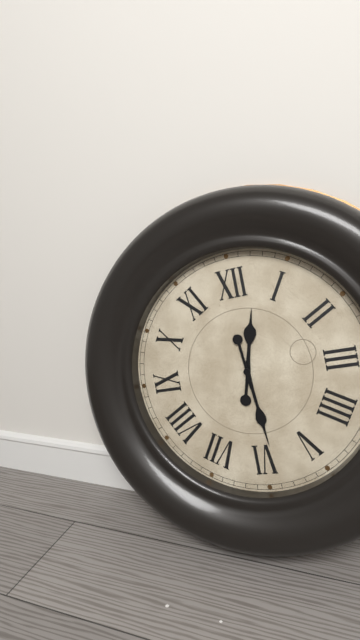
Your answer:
12 h 29 min
